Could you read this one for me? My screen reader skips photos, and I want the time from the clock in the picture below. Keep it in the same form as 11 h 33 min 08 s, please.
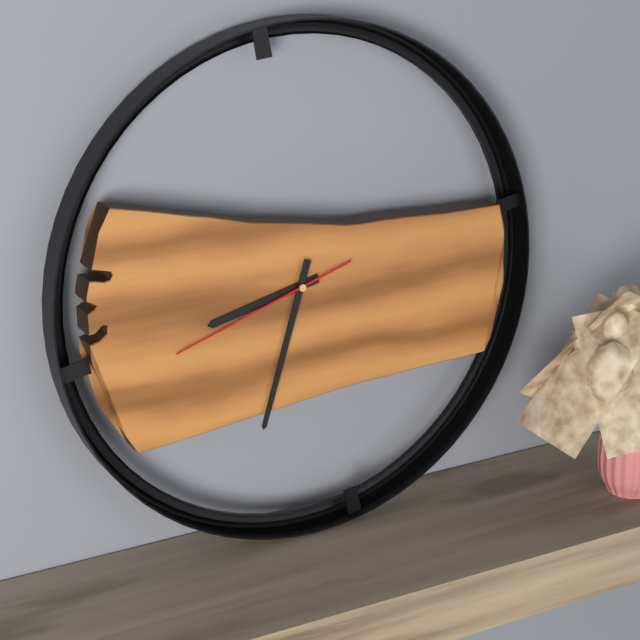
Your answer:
8 h 33 min 42 s
